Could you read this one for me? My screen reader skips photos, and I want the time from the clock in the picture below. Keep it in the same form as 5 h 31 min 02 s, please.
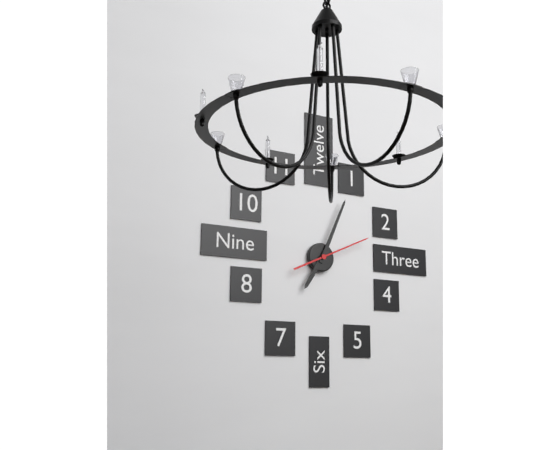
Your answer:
7 h 04 min 11 s
